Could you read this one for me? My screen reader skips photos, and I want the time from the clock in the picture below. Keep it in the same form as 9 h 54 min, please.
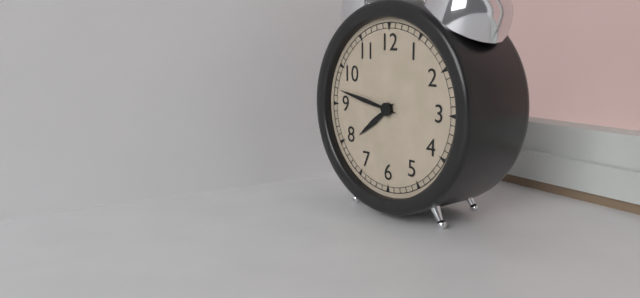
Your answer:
7 h 47 min
